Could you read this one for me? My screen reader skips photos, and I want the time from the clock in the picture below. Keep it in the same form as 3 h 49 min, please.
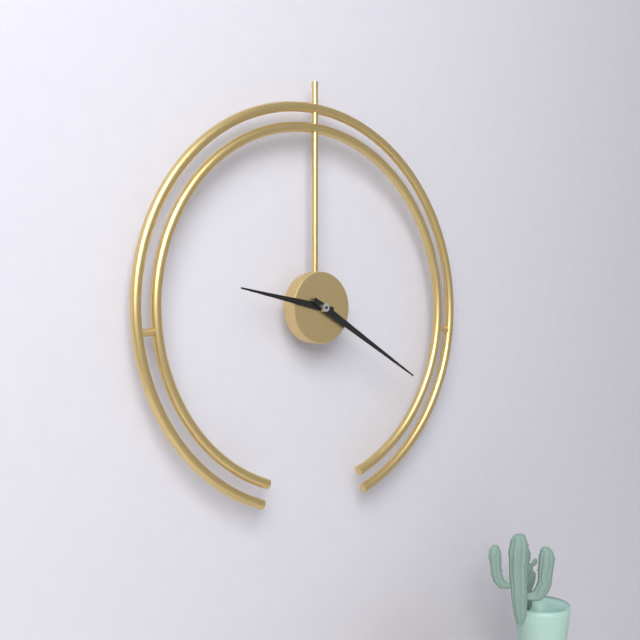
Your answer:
9 h 20 min
